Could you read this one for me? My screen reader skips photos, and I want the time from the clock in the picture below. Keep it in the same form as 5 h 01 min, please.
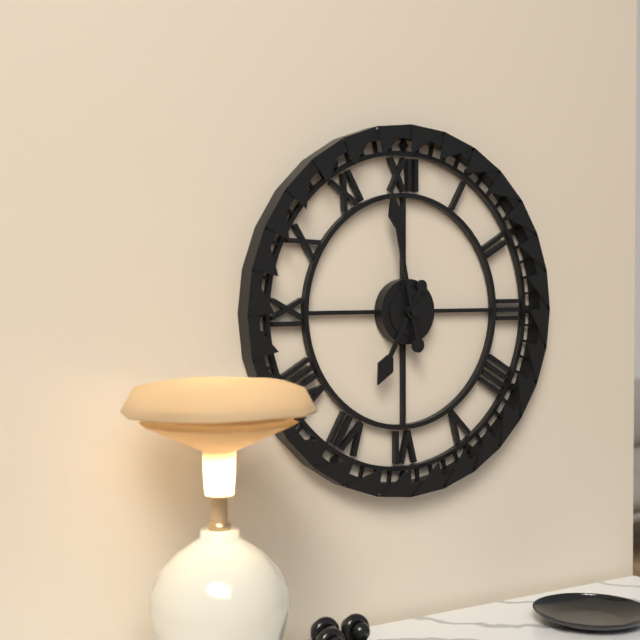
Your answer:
6 h 58 min
